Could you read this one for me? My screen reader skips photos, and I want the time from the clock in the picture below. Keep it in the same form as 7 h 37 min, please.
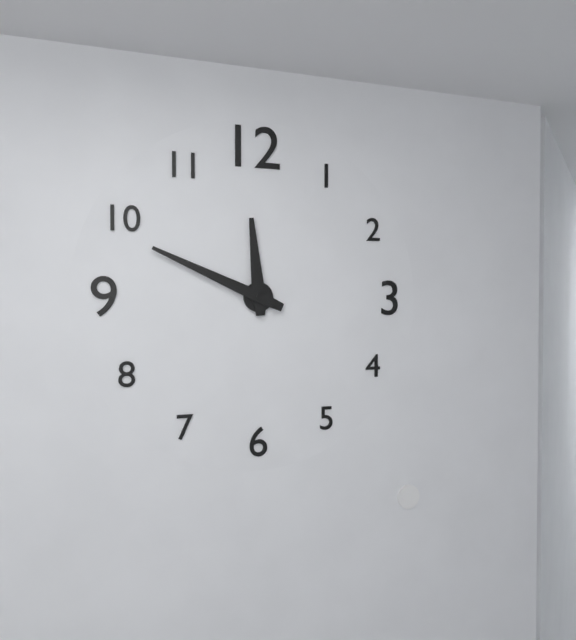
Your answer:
11 h 49 min
